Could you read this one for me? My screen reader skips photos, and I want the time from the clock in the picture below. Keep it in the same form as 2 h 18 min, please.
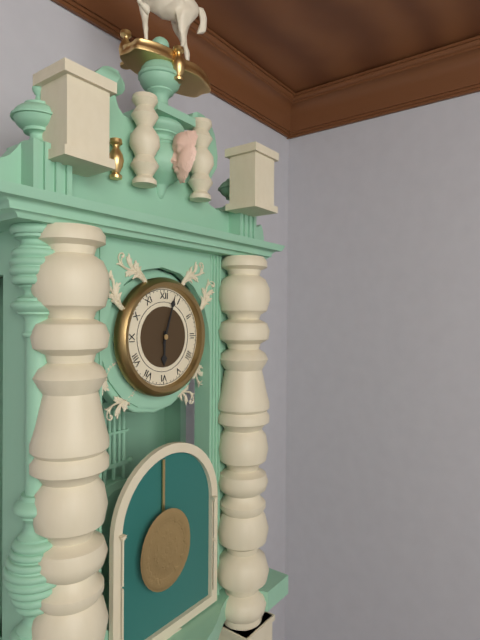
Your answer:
6 h 03 min
